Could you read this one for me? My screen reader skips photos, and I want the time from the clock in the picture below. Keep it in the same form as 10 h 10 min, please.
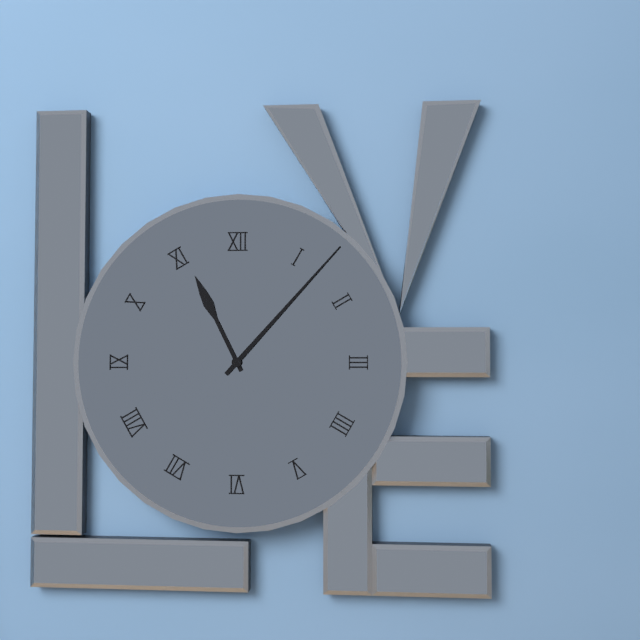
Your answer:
11 h 07 min
